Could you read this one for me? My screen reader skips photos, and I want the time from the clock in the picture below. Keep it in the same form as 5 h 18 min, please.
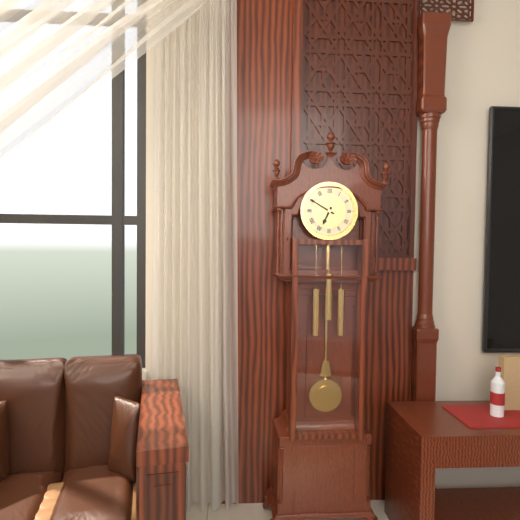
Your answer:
6 h 50 min
